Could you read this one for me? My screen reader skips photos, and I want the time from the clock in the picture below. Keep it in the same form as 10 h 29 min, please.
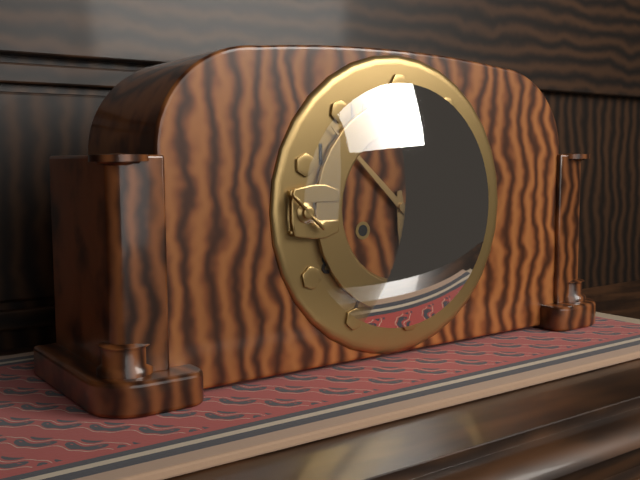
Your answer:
5 h 52 min
